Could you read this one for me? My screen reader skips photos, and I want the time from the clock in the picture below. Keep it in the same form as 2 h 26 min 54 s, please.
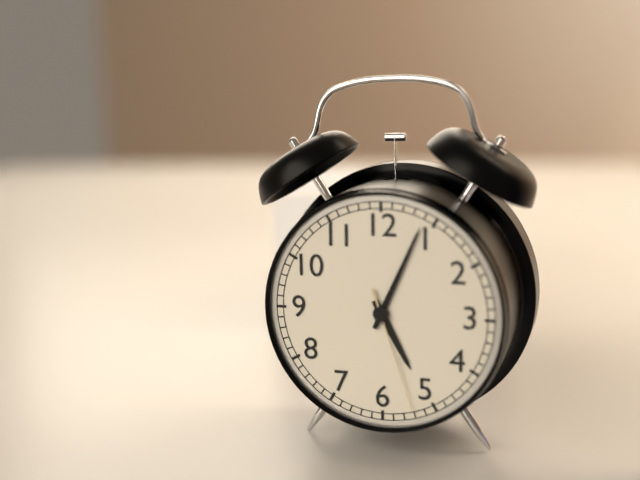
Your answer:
5 h 04 min 27 s
